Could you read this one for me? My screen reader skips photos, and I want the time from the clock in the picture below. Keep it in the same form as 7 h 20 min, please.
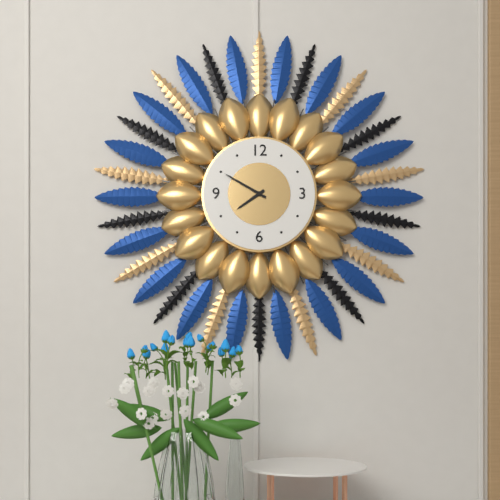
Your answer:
7 h 50 min
